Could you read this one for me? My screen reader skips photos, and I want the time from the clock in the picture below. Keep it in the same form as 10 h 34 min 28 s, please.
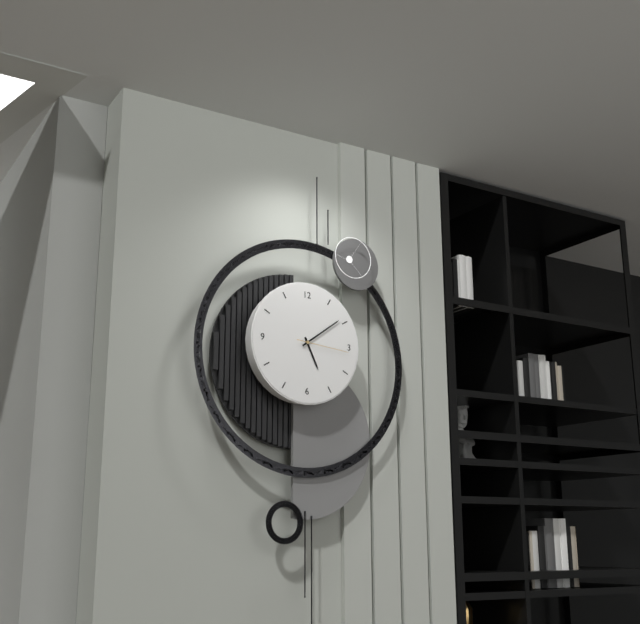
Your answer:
5 h 09 min 16 s
